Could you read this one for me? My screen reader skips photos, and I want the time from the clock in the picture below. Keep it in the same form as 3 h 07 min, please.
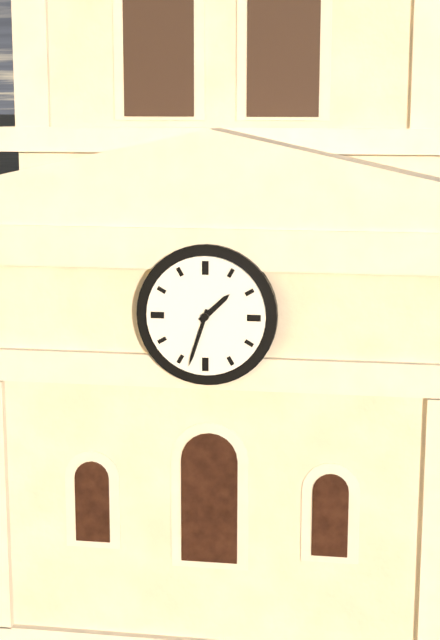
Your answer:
1 h 33 min
